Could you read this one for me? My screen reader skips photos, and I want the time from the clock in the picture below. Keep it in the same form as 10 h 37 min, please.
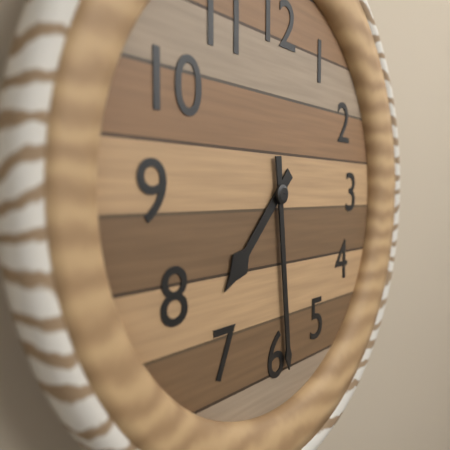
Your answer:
7 h 29 min
